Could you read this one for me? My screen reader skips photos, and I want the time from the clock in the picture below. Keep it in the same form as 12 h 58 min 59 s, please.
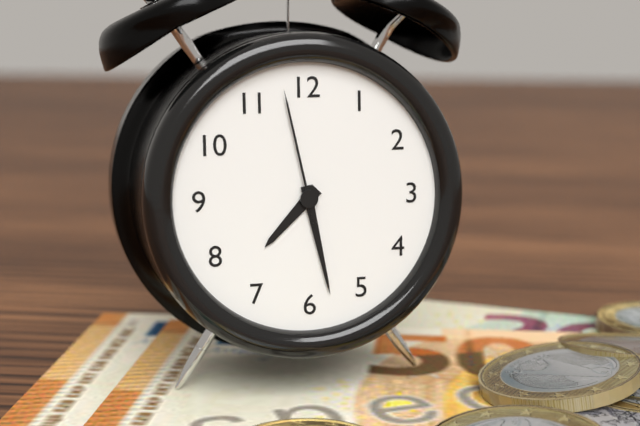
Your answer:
7 h 28 min 58 s
